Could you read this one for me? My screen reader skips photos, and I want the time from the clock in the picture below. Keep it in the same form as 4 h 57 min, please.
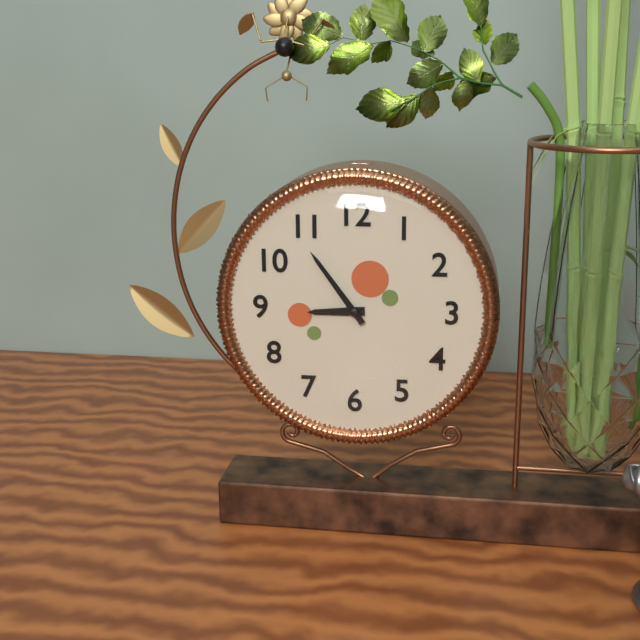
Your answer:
8 h 54 min
